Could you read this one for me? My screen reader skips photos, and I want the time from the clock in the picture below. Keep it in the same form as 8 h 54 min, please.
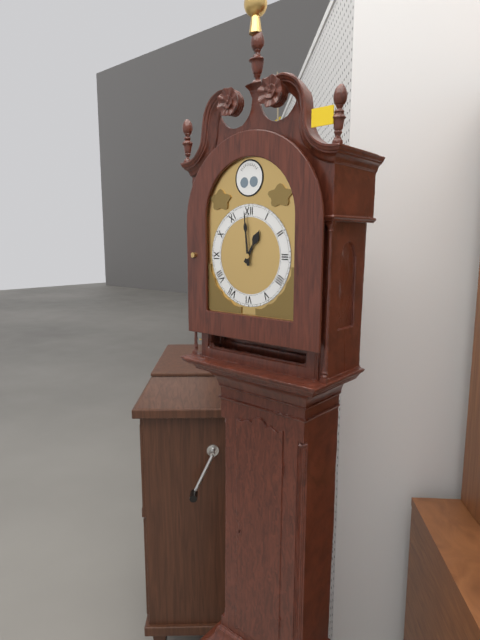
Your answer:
12 h 59 min
